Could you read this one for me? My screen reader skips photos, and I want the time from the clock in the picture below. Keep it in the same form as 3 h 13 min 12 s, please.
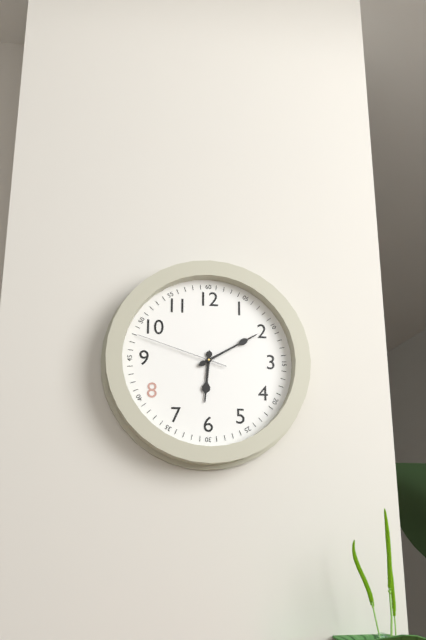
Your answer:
6 h 10 min 48 s
